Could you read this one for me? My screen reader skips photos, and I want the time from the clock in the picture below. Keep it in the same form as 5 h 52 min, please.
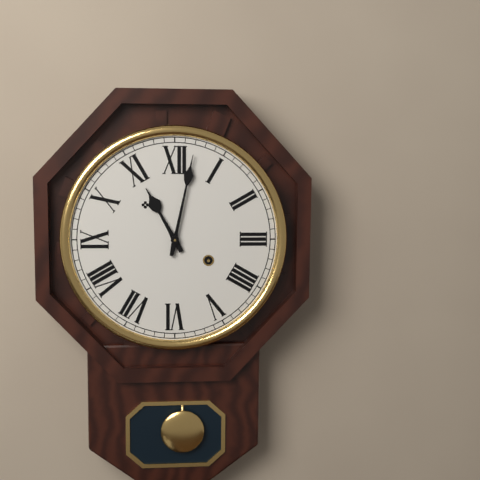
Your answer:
11 h 02 min
